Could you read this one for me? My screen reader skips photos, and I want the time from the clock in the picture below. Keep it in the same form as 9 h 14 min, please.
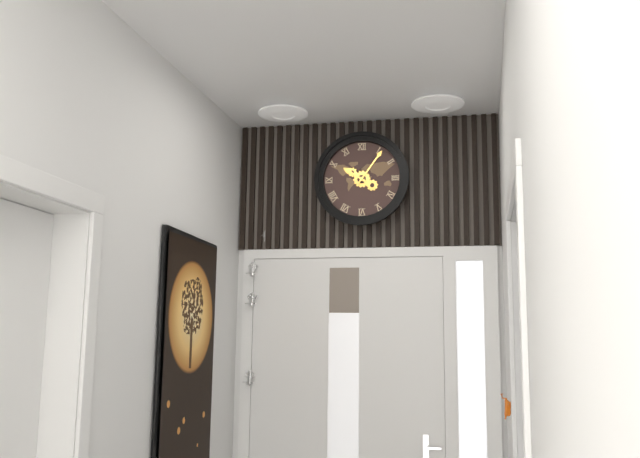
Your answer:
10 h 06 min
